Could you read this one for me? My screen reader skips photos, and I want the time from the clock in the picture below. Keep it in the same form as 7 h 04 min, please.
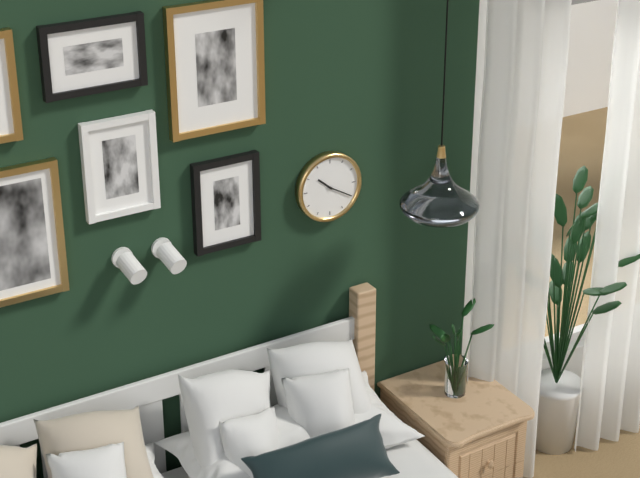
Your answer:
10 h 20 min
